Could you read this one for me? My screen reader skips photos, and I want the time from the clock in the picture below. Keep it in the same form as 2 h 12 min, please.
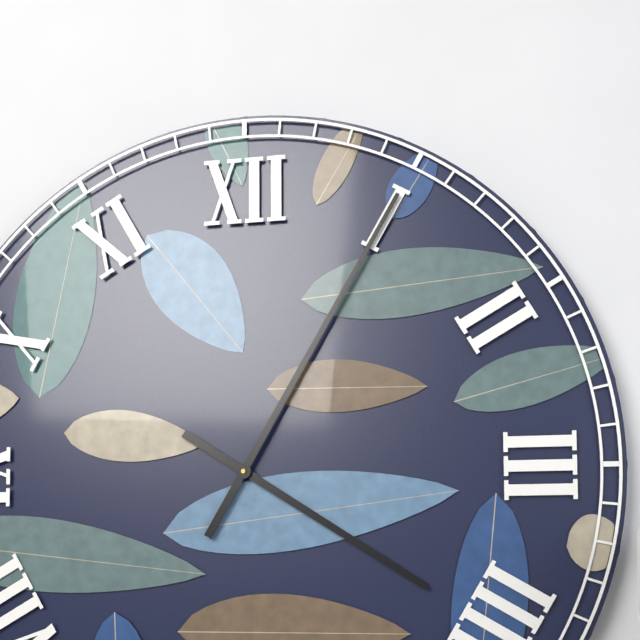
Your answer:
4 h 05 min
